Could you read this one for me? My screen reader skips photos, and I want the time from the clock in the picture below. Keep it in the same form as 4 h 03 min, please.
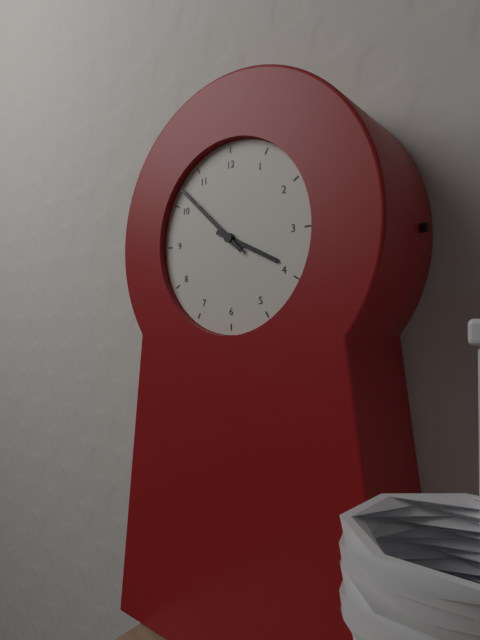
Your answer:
3 h 52 min
